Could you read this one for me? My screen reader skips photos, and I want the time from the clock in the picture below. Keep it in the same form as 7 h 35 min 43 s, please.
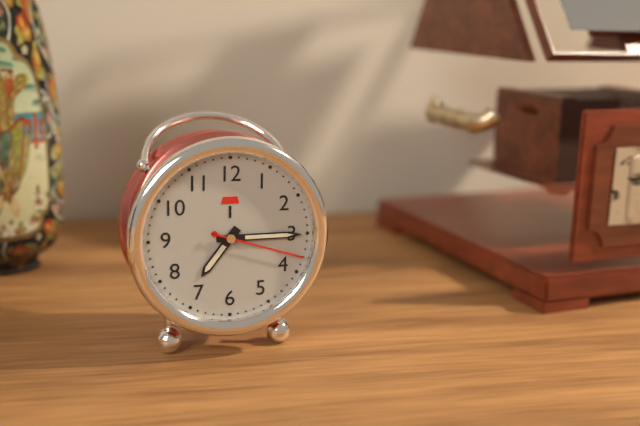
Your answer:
7 h 15 min 18 s
